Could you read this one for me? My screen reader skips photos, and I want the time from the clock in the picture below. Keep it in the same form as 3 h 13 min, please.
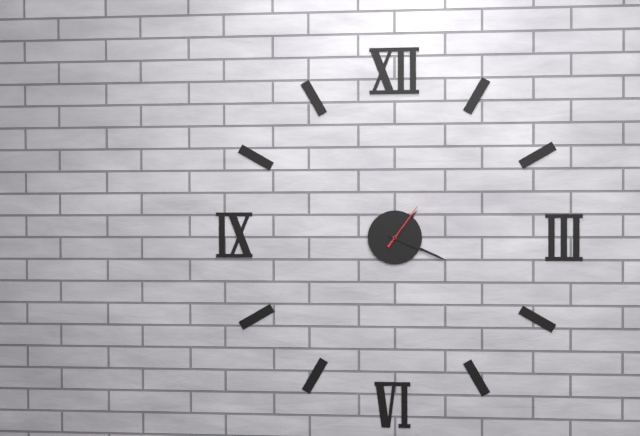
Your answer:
1 h 19 min
